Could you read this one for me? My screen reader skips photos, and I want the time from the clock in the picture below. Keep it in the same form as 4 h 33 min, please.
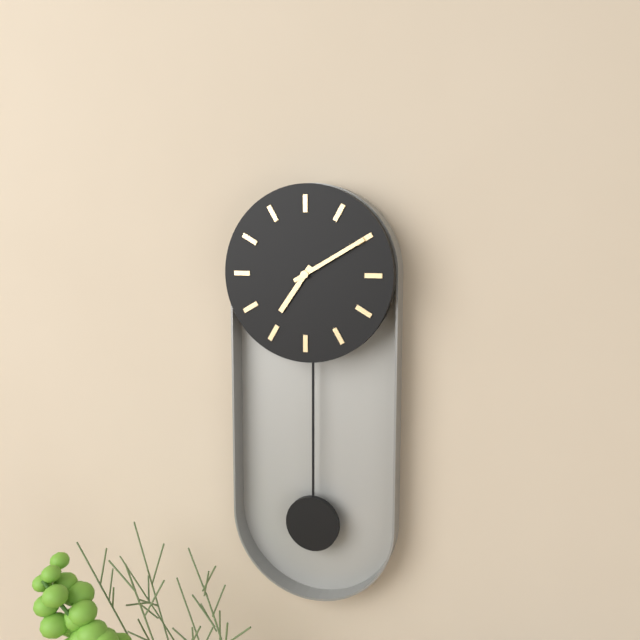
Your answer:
7 h 10 min
